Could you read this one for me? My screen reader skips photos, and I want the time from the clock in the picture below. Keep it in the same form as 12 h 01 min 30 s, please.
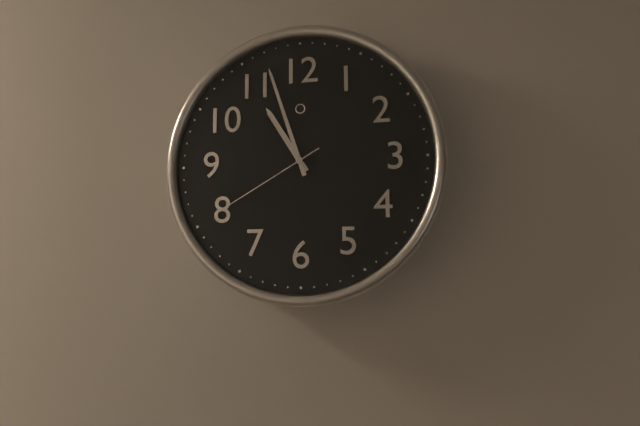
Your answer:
10 h 57 min 40 s
